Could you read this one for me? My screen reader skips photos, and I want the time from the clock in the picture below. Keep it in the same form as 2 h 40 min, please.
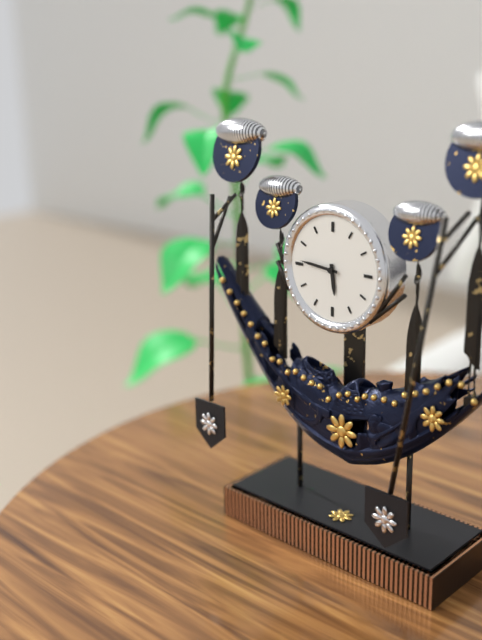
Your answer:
5 h 46 min
